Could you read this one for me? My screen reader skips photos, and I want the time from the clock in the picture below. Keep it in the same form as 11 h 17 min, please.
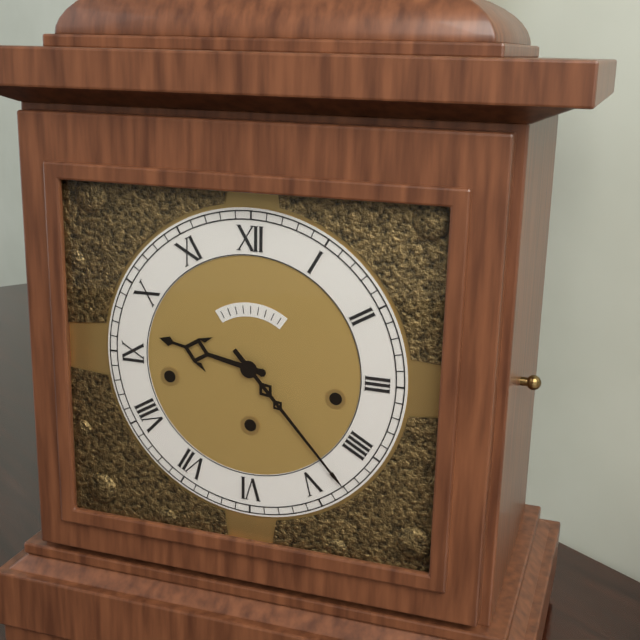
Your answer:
9 h 23 min
